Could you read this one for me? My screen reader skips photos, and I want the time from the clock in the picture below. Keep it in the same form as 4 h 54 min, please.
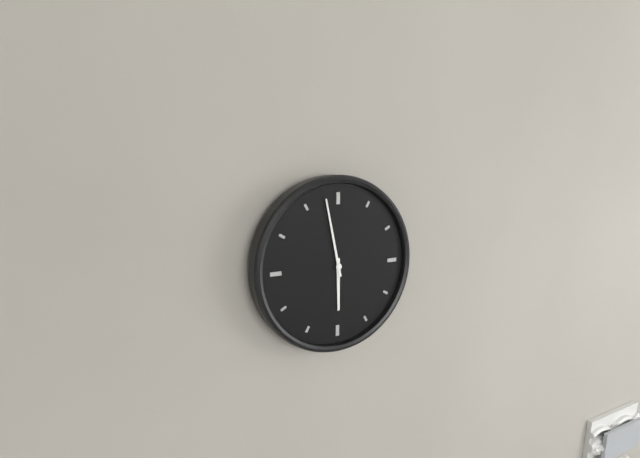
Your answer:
5 h 58 min
